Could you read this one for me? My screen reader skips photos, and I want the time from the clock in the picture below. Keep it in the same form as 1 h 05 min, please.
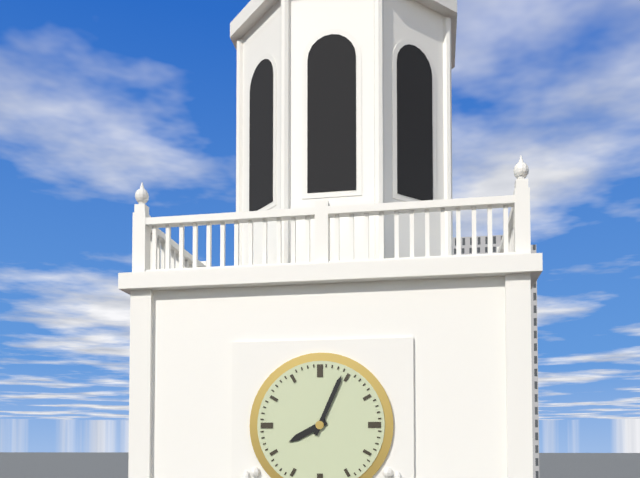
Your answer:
8 h 04 min
